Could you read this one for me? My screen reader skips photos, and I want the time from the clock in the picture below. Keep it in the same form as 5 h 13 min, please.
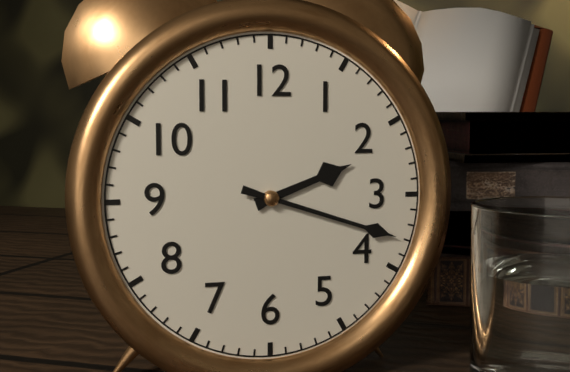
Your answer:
2 h 18 min
